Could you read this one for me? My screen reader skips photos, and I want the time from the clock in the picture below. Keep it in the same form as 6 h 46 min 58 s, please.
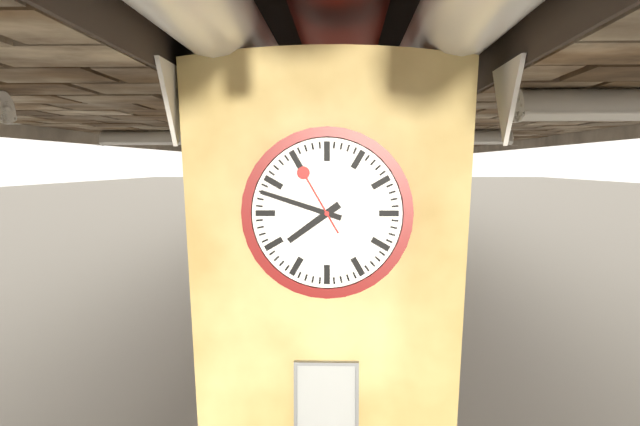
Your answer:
7 h 48 min 55 s
